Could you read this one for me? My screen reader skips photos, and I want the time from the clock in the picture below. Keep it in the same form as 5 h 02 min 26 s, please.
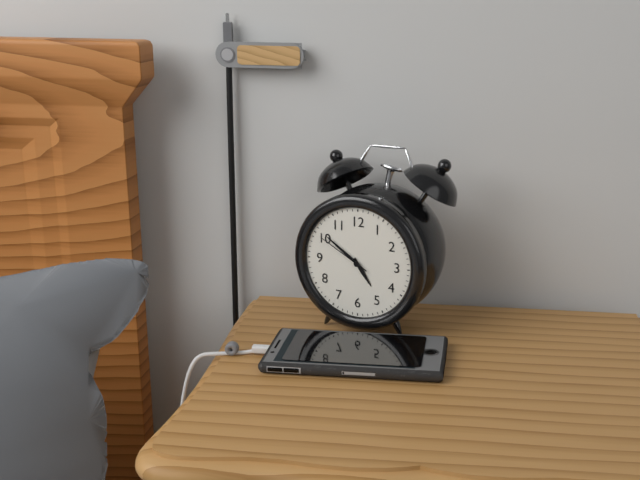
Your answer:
4 h 51 min 50 s
